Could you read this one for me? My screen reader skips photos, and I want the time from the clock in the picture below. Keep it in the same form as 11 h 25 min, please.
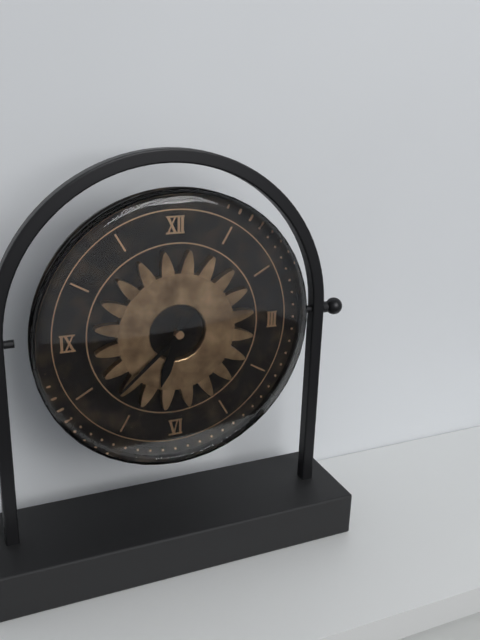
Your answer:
6 h 38 min
